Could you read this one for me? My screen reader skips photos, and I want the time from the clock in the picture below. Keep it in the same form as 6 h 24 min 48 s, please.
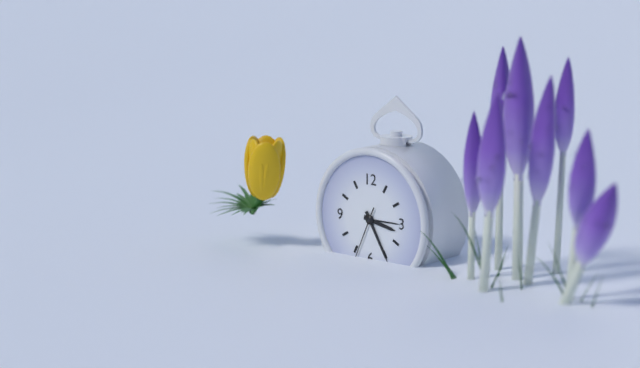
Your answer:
3 h 25 min 34 s
